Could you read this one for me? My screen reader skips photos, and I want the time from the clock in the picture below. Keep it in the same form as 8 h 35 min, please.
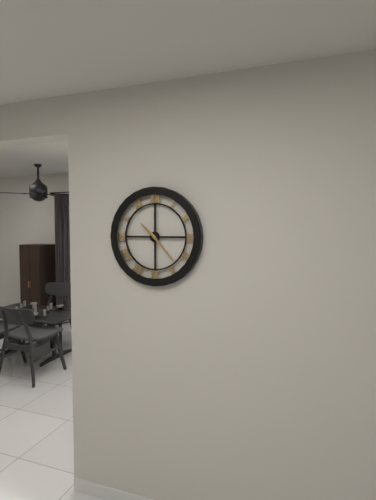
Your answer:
10 h 23 min
